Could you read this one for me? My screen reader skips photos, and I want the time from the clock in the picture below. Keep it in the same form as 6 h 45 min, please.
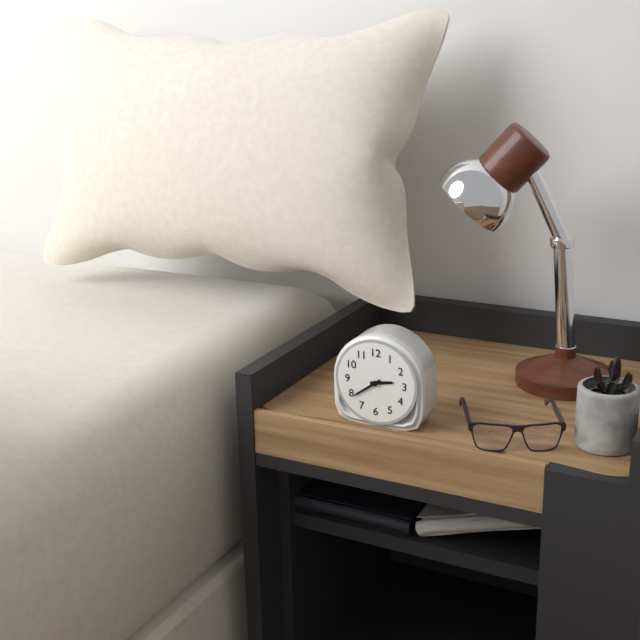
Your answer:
2 h 39 min
